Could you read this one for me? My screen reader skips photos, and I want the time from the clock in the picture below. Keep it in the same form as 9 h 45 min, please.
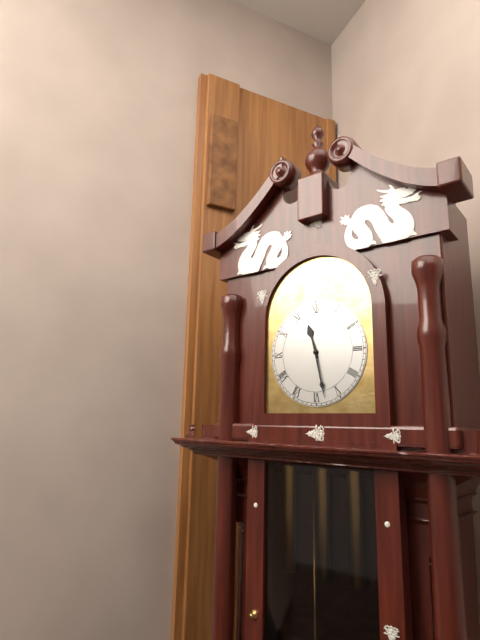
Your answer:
11 h 28 min
